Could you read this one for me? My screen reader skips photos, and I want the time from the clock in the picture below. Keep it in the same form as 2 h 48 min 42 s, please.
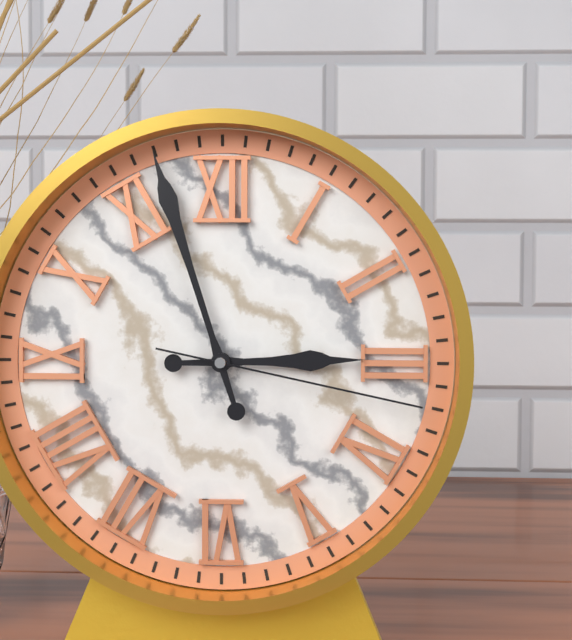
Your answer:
2 h 57 min 17 s
